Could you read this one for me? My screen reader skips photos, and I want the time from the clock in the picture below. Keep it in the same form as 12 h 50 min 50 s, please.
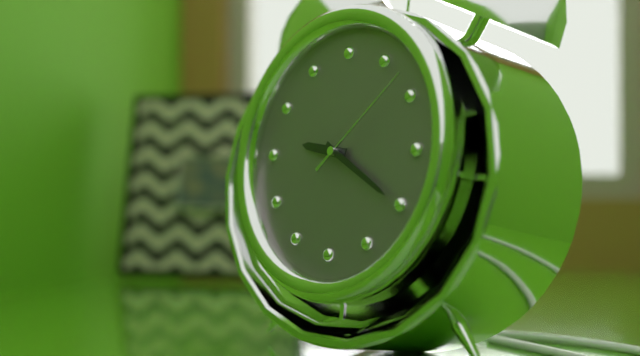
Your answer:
9 h 20 min 08 s
